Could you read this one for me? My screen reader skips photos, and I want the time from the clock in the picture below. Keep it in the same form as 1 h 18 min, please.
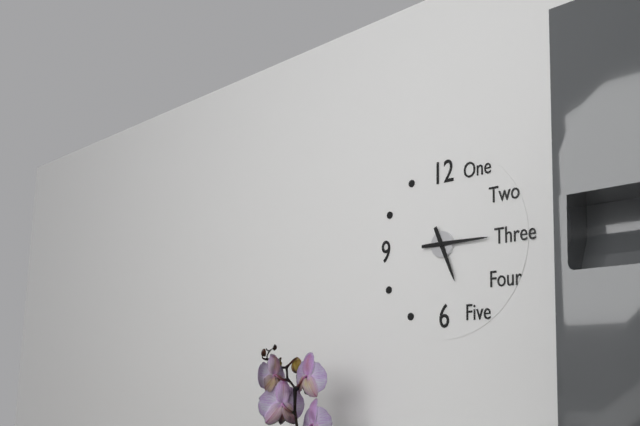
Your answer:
5 h 15 min
